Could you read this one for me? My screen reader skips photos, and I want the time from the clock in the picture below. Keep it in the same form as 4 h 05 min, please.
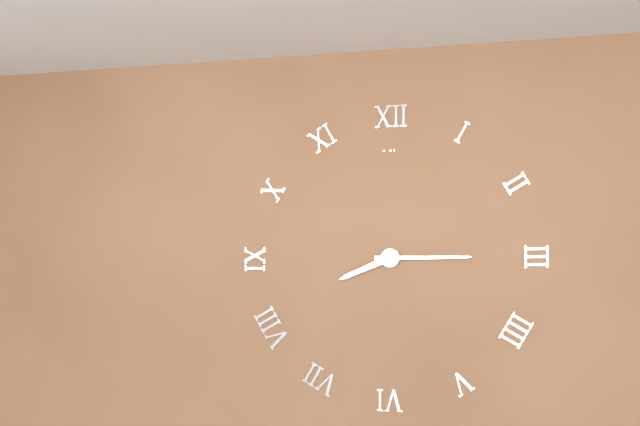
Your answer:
8 h 15 min
